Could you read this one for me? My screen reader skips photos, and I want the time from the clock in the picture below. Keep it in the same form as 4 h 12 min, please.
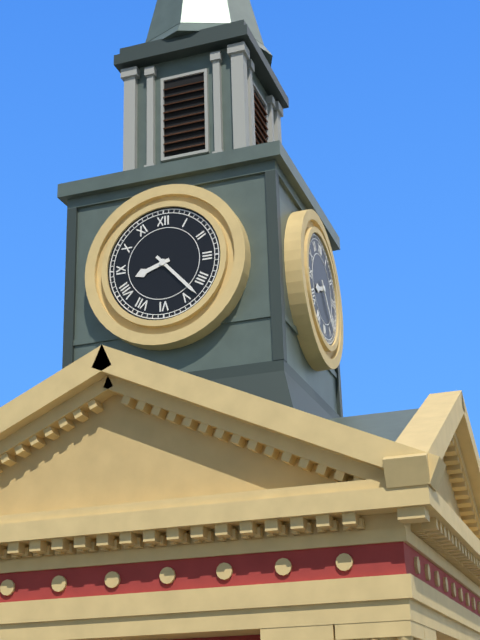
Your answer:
8 h 23 min
